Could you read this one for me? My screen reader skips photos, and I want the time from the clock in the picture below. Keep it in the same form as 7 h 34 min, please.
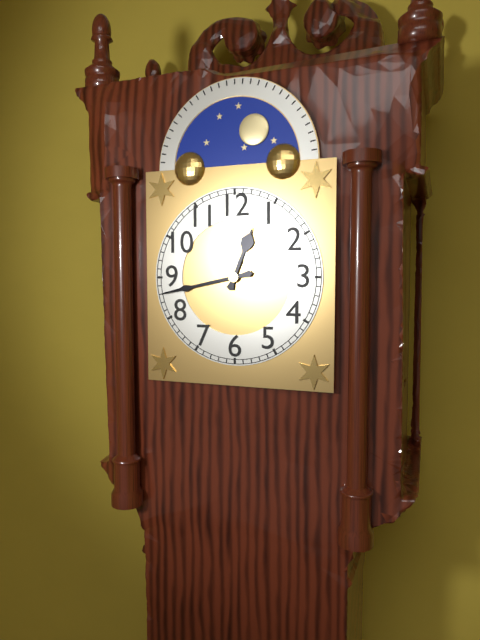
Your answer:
12 h 43 min
